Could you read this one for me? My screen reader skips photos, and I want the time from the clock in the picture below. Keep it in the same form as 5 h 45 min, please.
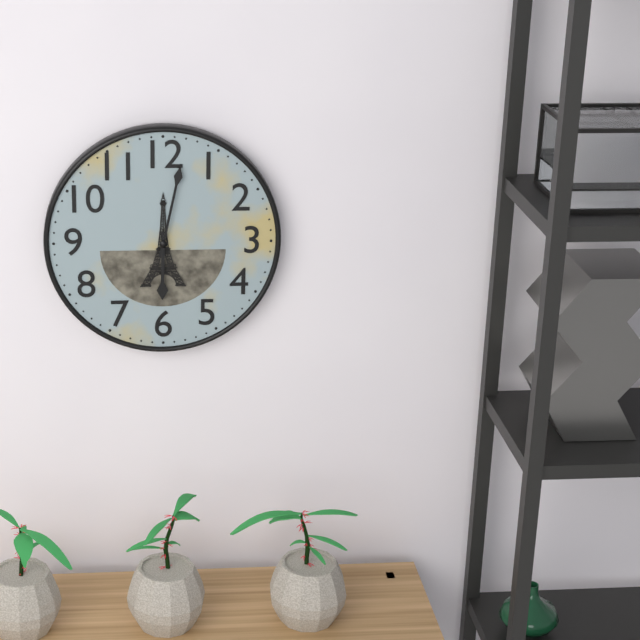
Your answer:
6 h 02 min
